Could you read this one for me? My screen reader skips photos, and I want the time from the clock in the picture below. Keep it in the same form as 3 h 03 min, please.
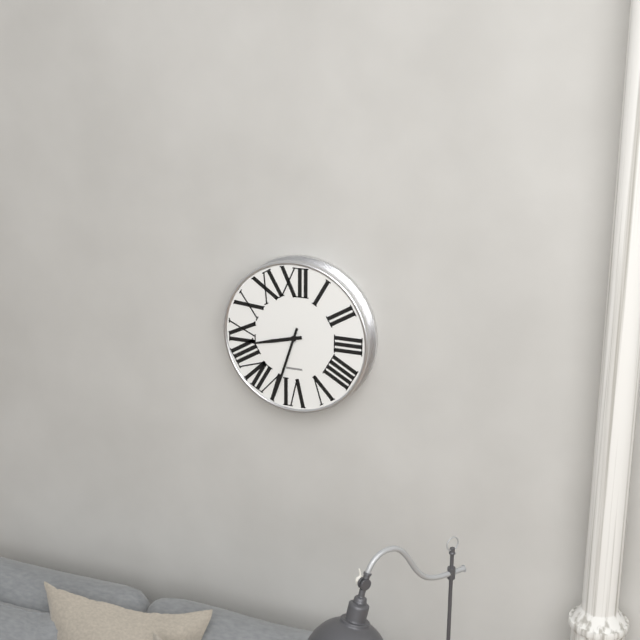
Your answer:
8 h 33 min
